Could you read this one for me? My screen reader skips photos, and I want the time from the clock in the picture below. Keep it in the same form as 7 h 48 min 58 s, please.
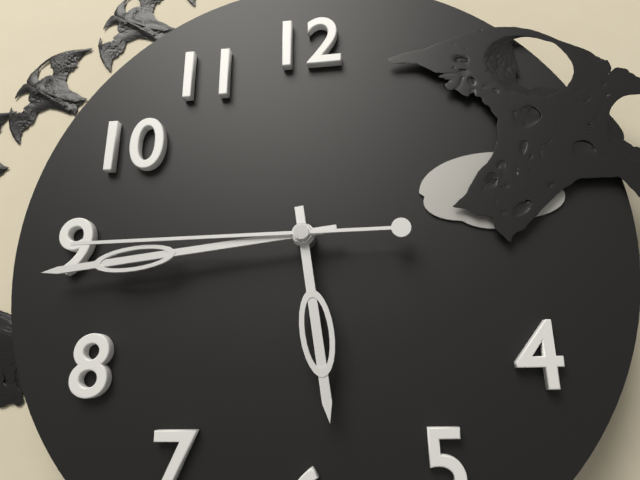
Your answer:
5 h 44 min 45 s
